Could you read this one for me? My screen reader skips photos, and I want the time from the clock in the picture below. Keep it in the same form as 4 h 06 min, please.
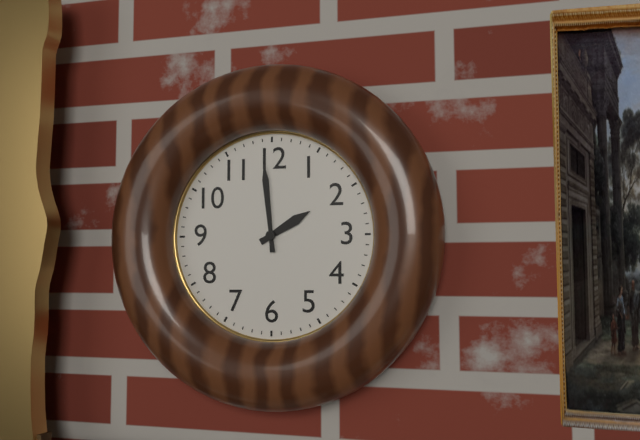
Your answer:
1 h 59 min
